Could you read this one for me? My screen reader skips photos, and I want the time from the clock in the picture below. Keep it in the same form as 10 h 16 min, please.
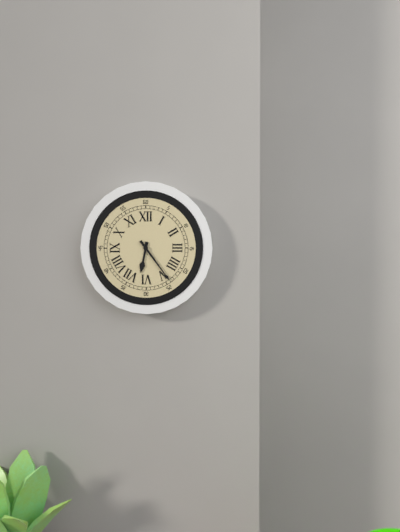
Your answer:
6 h 24 min
